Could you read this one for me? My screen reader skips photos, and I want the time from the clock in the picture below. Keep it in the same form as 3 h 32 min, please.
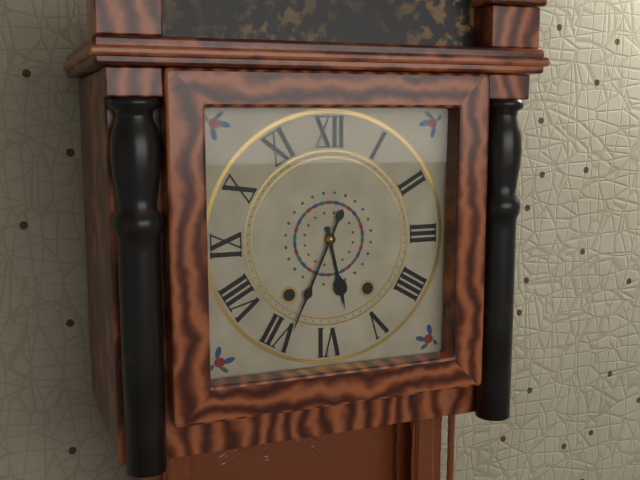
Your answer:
5 h 34 min
